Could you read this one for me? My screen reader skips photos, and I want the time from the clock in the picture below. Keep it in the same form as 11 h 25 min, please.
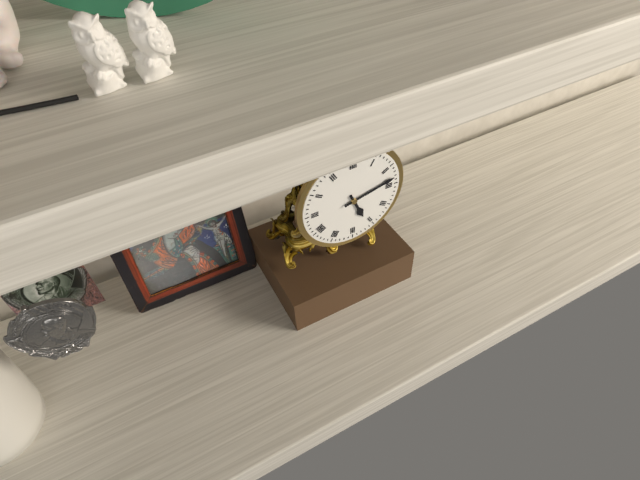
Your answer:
5 h 13 min
